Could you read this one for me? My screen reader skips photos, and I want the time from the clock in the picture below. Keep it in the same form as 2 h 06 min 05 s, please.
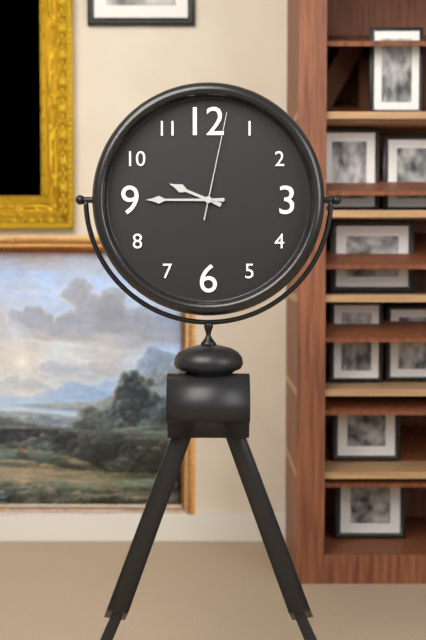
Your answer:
9 h 45 min 02 s
